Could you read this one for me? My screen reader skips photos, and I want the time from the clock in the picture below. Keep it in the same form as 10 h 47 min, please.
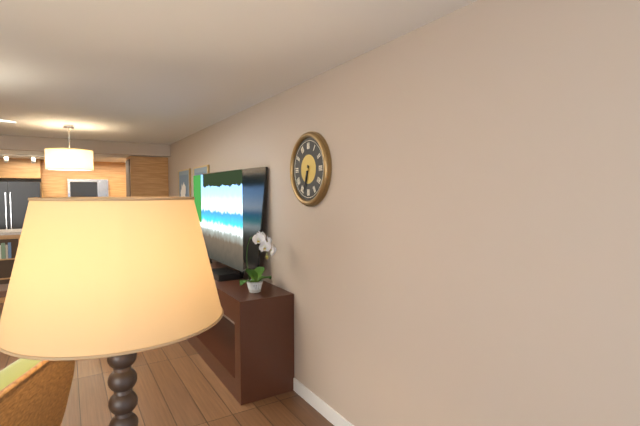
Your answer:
6 h 33 min
